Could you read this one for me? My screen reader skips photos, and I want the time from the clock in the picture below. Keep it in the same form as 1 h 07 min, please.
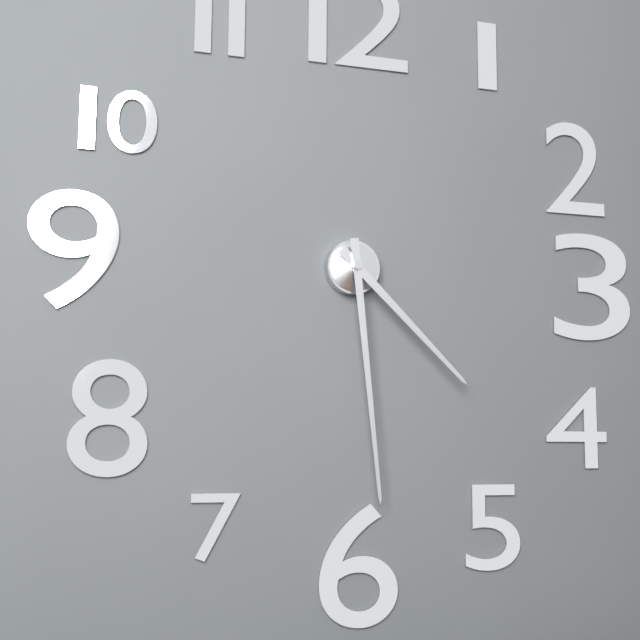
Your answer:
4 h 29 min
